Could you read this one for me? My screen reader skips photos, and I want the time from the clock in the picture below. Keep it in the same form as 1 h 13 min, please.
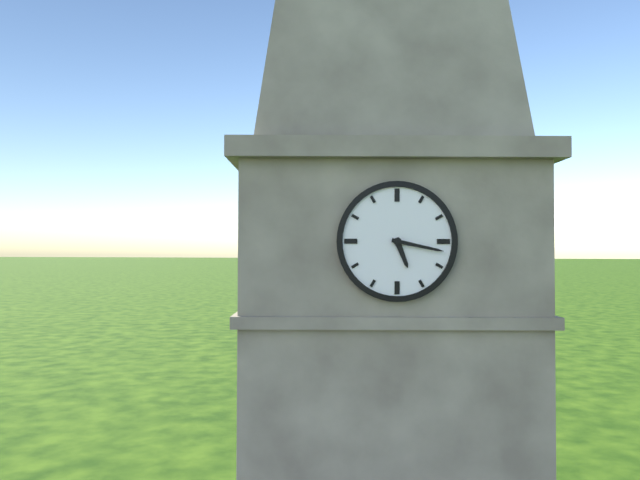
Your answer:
5 h 17 min
